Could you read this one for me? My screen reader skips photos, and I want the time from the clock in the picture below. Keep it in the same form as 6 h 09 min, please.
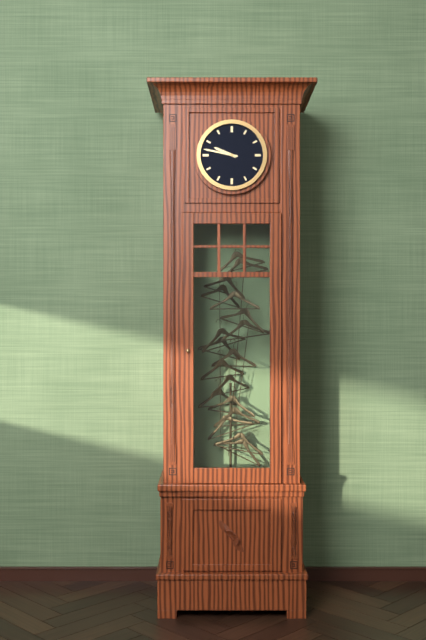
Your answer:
9 h 47 min
